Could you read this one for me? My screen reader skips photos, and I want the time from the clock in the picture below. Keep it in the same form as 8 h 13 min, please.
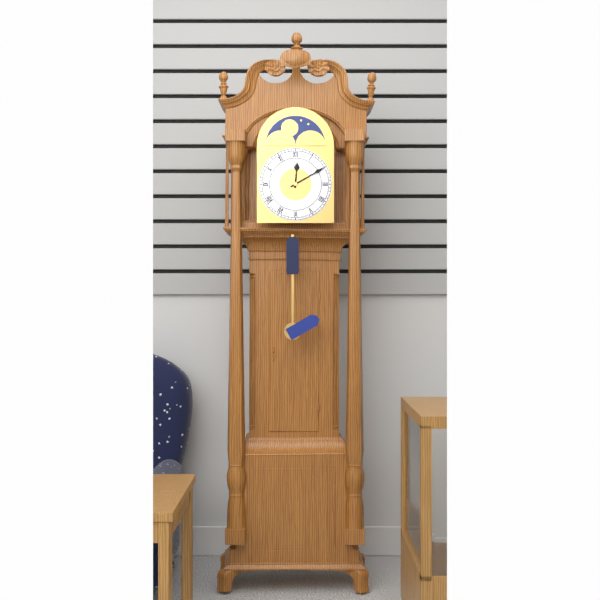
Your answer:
12 h 10 min
